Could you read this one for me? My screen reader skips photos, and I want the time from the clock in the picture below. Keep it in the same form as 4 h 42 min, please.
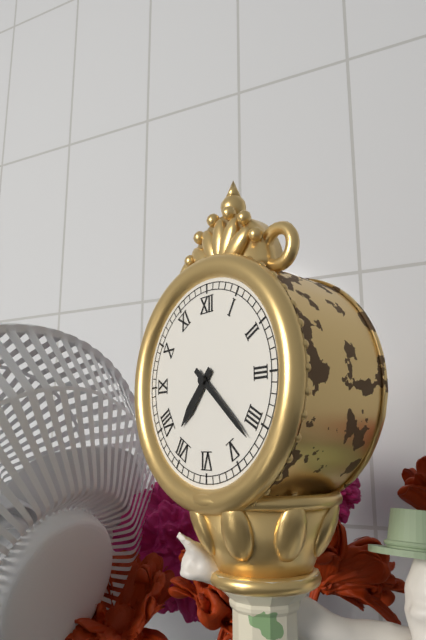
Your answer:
7 h 22 min
